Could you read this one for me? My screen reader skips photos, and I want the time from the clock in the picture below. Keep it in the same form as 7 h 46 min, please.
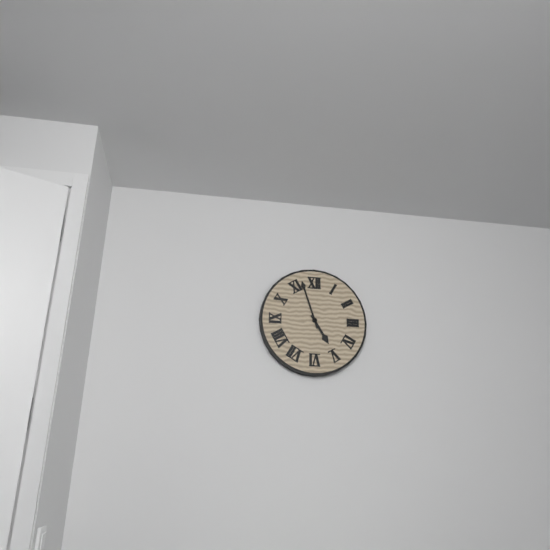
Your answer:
4 h 57 min
